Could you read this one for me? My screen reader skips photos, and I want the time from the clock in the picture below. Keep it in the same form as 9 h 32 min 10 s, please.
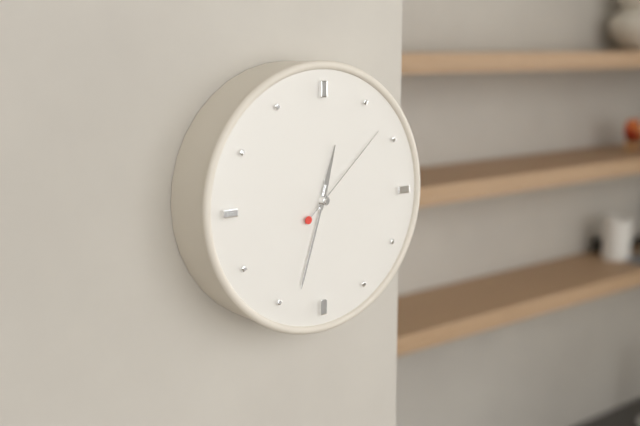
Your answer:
12 h 33 min 08 s
